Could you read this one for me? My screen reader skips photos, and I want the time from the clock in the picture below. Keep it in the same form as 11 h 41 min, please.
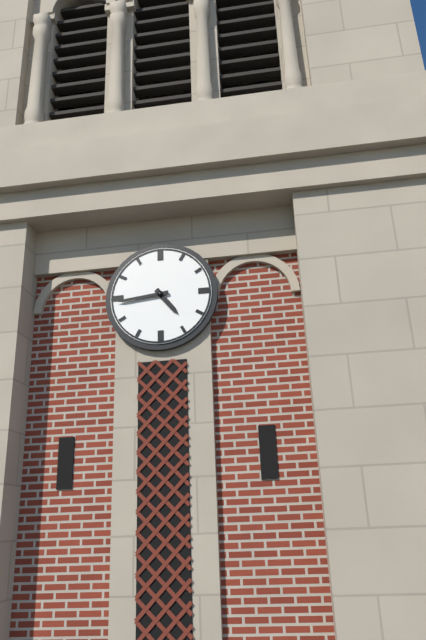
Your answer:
4 h 44 min
